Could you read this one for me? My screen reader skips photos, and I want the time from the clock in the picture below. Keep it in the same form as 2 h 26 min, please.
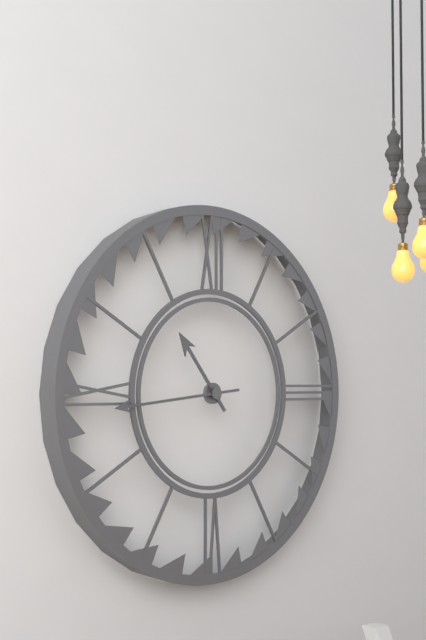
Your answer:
10 h 44 min
